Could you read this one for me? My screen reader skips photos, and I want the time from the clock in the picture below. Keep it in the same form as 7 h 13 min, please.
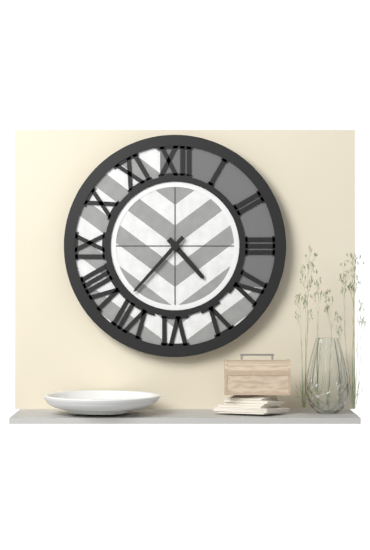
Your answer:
4 h 37 min
